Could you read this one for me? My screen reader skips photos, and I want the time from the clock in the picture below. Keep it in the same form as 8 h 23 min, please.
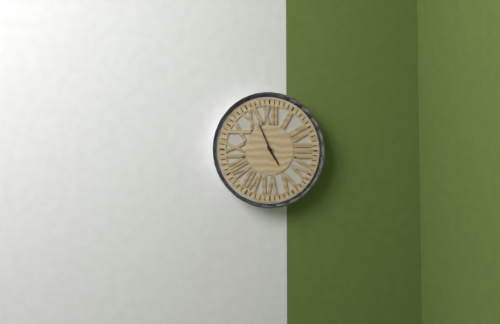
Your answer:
4 h 56 min
